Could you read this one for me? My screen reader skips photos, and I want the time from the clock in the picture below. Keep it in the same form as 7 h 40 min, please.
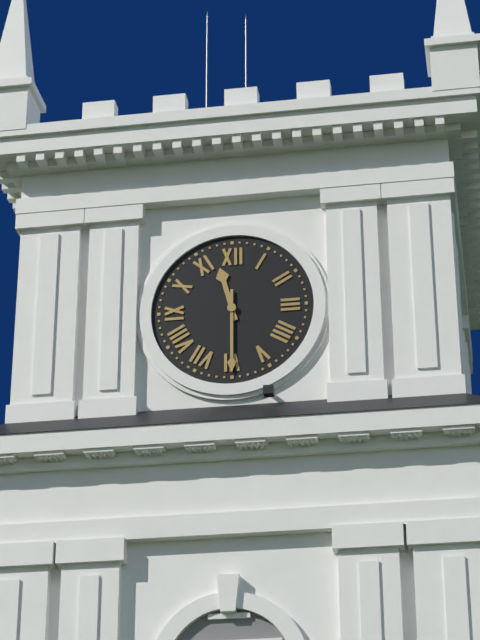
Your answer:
11 h 30 min
